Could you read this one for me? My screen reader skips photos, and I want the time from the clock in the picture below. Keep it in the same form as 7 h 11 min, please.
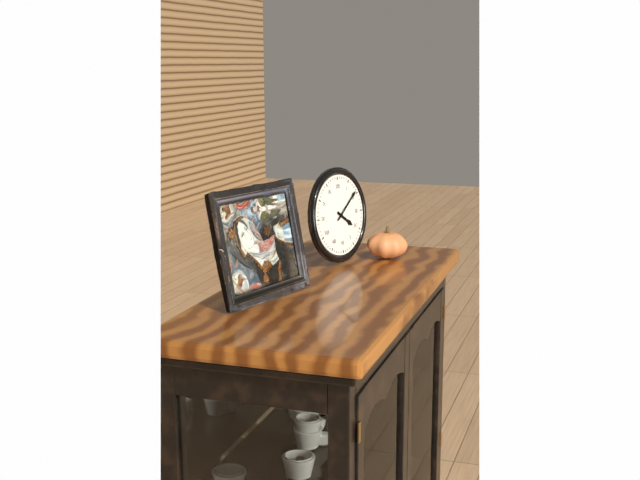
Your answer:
4 h 09 min
